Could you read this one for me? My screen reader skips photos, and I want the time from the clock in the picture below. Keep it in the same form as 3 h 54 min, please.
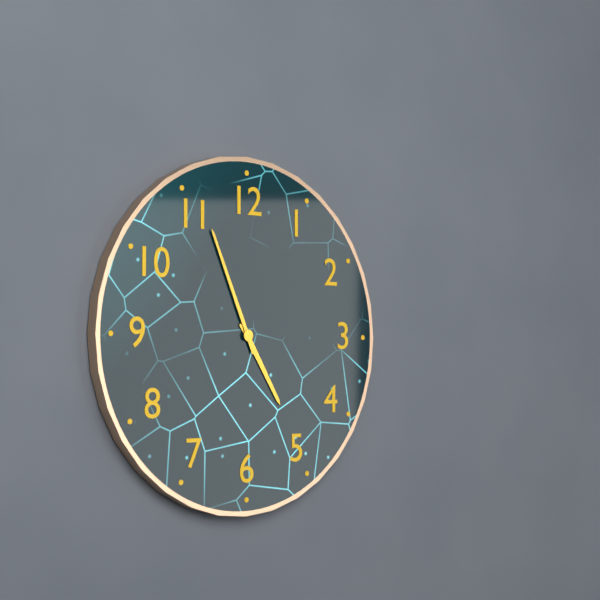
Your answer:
4 h 56 min
